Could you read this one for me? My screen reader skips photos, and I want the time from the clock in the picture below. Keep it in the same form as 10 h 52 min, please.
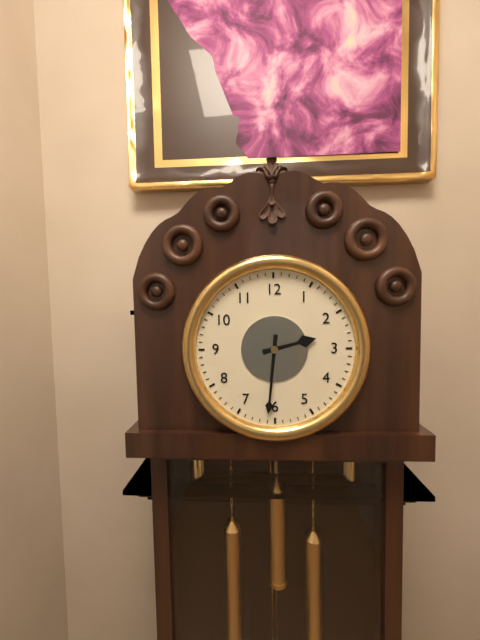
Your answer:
2 h 31 min
